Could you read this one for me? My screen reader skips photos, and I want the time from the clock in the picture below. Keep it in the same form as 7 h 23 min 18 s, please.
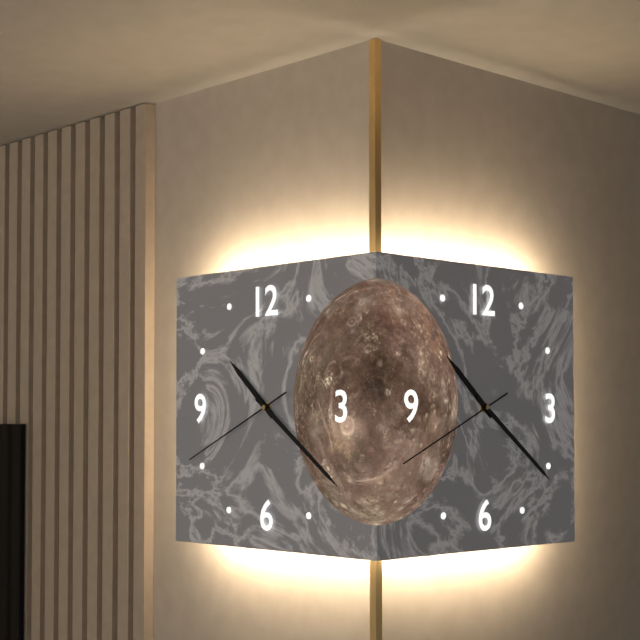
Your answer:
10 h 21 min 41 s
